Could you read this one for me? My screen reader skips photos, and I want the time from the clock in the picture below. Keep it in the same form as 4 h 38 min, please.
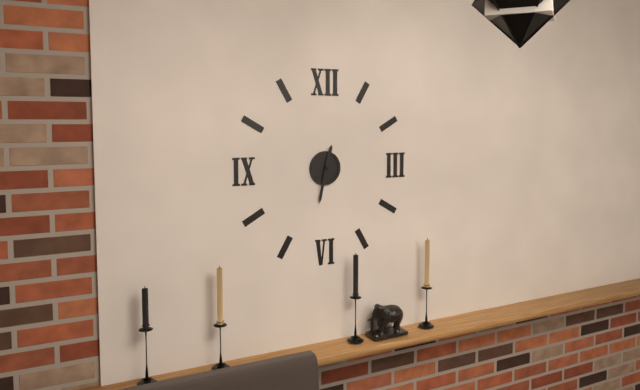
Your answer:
12 h 32 min
